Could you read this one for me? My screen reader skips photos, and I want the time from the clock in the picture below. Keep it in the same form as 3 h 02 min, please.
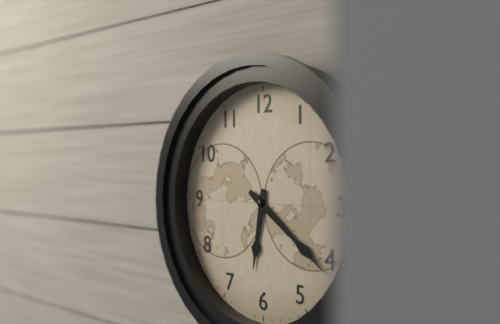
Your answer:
6 h 21 min
